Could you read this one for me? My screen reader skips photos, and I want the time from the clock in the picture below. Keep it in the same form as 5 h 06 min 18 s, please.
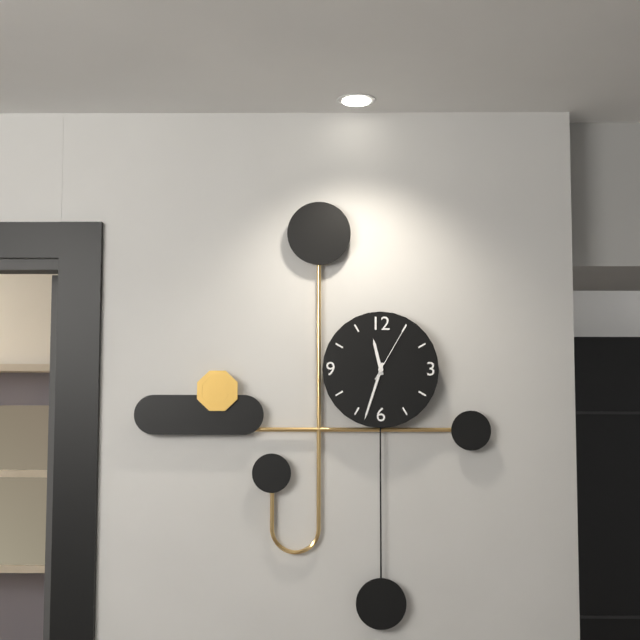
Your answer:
11 h 33 min 05 s
